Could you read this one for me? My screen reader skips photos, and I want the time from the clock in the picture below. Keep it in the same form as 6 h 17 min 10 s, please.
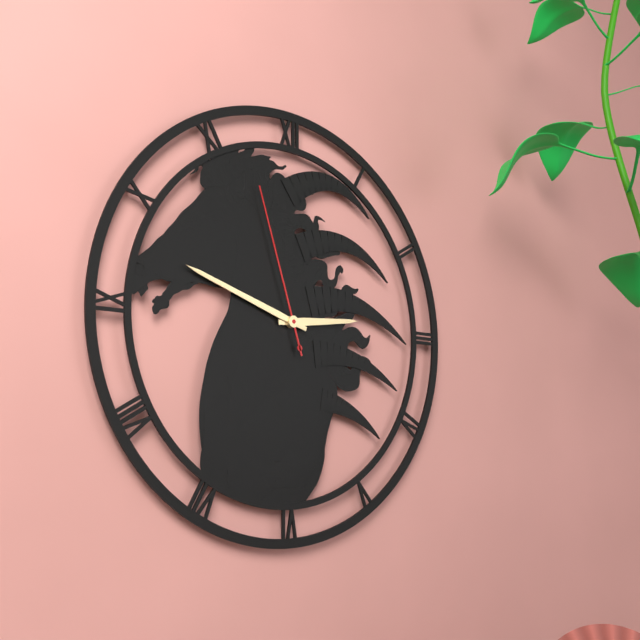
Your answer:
2 h 48 min 57 s
